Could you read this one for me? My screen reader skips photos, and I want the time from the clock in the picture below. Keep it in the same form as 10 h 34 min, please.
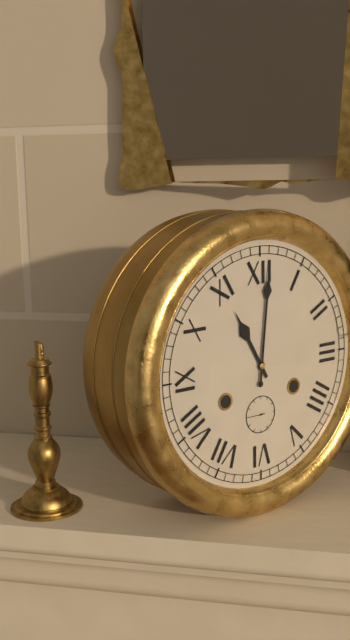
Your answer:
11 h 01 min
